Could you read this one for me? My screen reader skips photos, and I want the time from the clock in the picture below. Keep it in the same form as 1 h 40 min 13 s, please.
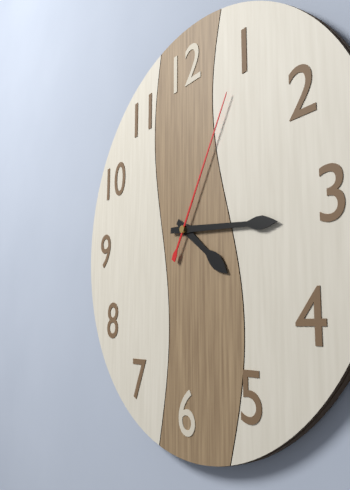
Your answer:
4 h 16 min 05 s
